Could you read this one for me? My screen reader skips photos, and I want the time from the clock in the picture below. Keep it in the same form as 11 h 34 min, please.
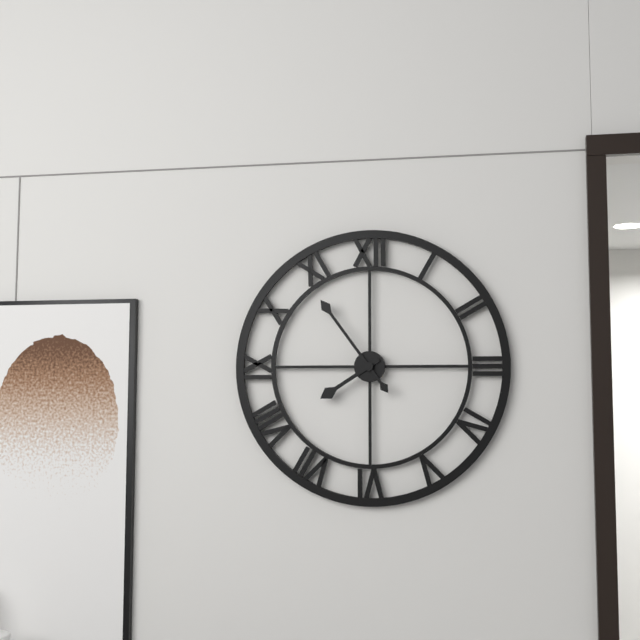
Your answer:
7 h 54 min
